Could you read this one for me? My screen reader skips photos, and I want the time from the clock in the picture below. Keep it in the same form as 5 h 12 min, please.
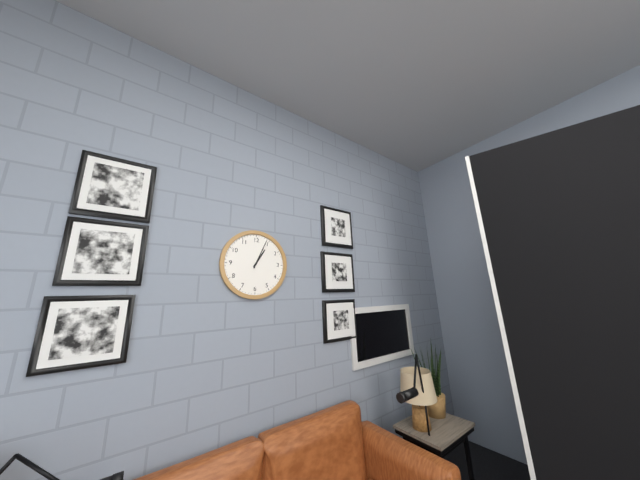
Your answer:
1 h 04 min
